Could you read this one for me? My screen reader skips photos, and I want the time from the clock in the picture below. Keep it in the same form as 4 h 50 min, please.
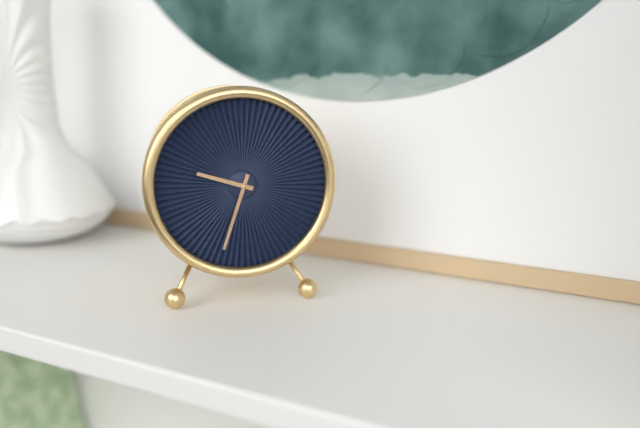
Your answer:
9 h 33 min
